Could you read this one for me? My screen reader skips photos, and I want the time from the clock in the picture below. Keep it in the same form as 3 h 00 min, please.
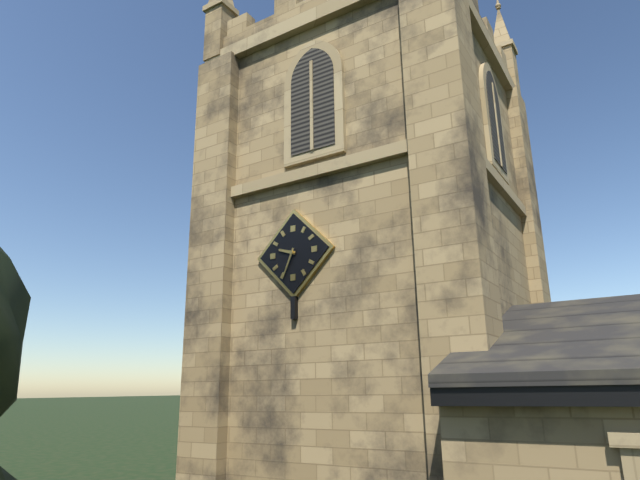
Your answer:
9 h 34 min
